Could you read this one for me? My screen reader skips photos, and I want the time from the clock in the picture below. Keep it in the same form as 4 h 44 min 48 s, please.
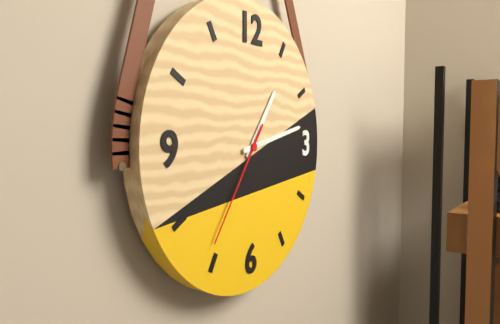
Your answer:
1 h 13 min 36 s
